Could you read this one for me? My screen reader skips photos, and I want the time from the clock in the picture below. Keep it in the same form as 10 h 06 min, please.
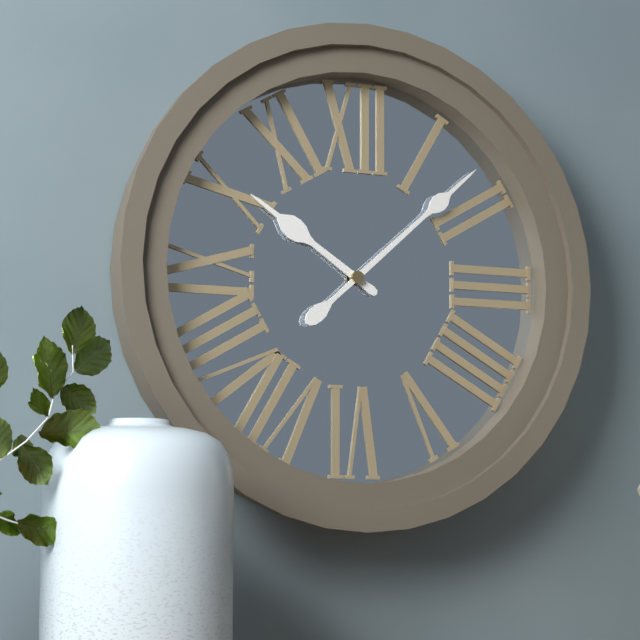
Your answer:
10 h 08 min
